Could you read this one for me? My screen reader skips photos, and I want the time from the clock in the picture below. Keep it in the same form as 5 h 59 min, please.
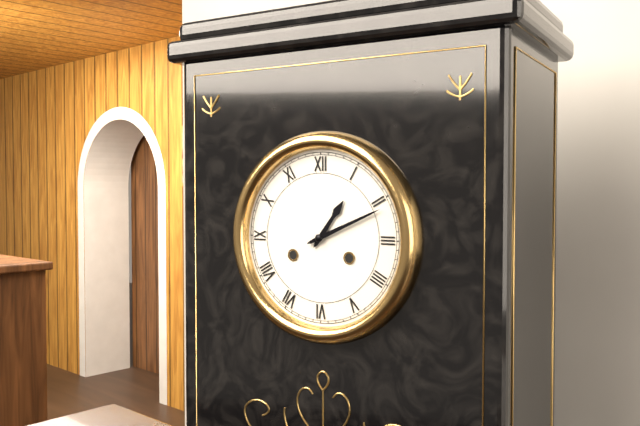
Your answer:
1 h 11 min
